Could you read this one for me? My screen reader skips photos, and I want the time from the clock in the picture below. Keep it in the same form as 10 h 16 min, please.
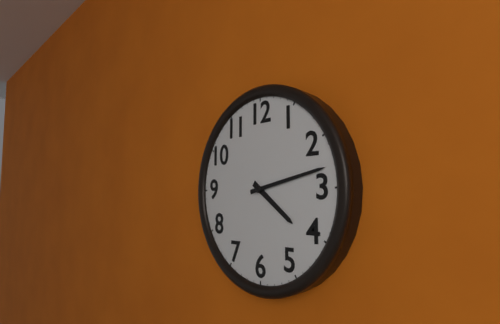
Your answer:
4 h 13 min
